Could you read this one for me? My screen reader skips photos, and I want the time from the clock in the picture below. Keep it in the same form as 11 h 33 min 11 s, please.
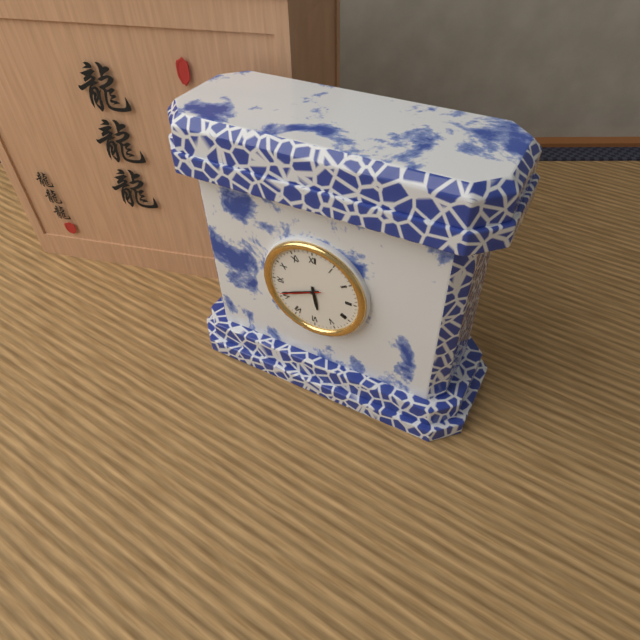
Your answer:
5 h 41 min 41 s
